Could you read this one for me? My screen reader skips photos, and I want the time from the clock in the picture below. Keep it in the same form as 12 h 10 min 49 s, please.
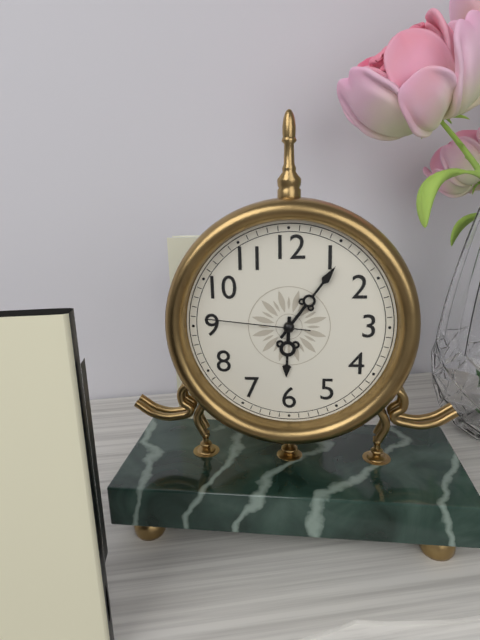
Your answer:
6 h 06 min 46 s
